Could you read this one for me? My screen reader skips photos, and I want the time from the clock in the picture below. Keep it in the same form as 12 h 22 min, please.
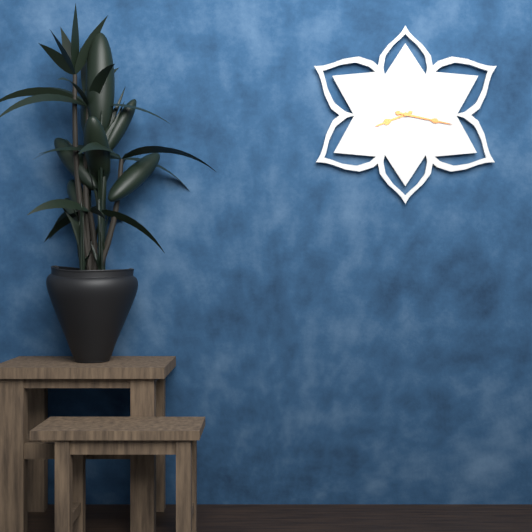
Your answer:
8 h 17 min
